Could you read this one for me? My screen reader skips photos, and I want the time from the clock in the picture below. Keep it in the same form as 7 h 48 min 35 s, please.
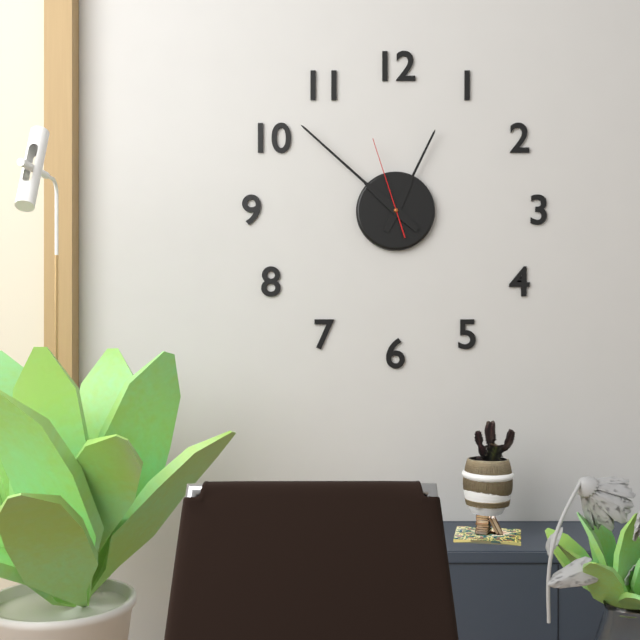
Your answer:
12 h 52 min 57 s
